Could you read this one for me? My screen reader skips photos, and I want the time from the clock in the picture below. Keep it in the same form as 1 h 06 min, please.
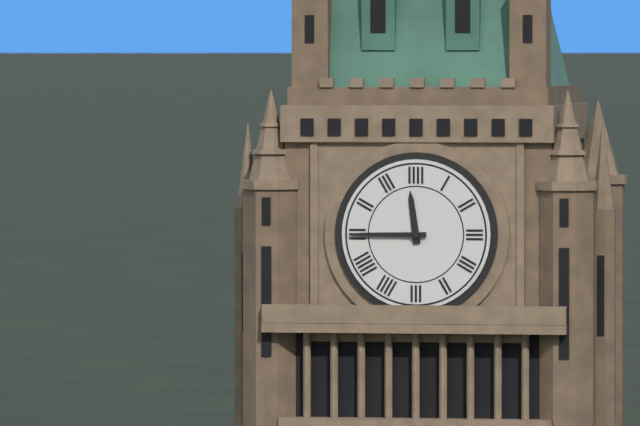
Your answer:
11 h 45 min
